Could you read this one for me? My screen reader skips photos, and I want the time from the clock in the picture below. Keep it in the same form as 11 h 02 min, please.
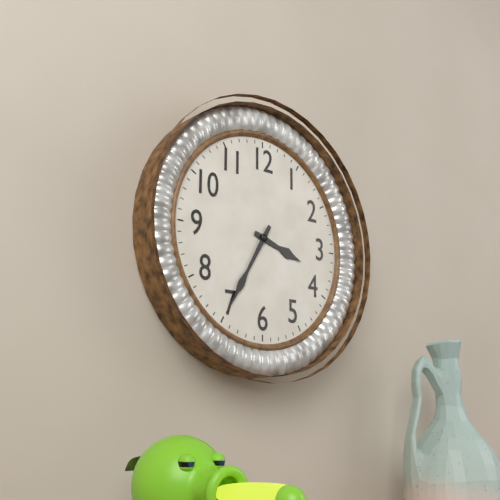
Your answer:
3 h 35 min
